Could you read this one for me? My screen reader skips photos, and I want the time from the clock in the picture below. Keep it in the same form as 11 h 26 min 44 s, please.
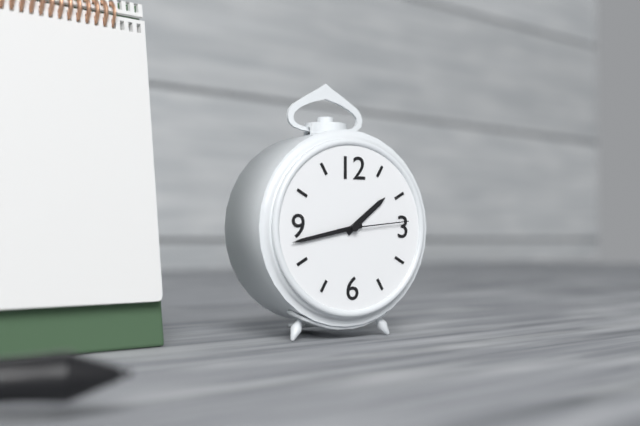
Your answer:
1 h 43 min 14 s
